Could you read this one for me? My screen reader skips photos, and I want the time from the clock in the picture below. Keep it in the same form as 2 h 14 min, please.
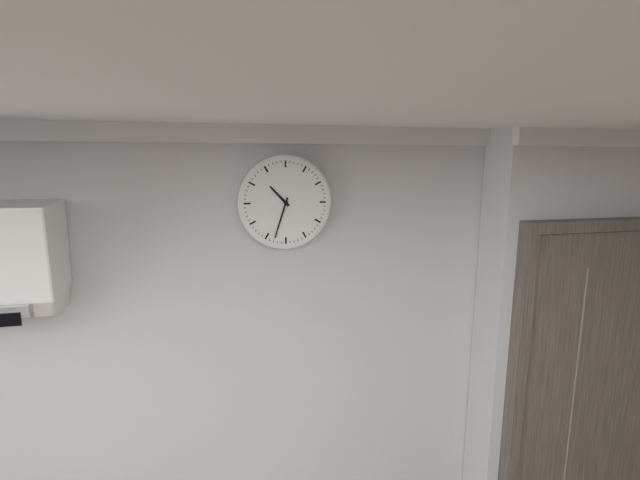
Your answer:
10 h 33 min
